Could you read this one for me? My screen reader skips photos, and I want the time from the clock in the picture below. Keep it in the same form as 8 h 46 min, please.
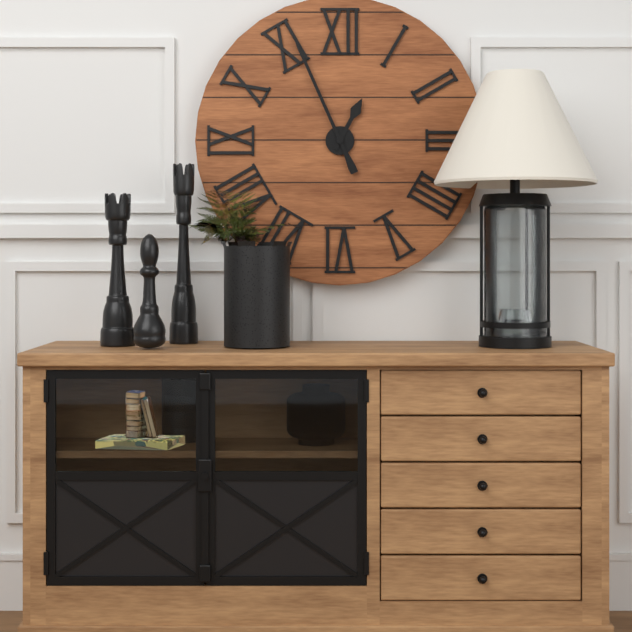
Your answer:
12 h 56 min
